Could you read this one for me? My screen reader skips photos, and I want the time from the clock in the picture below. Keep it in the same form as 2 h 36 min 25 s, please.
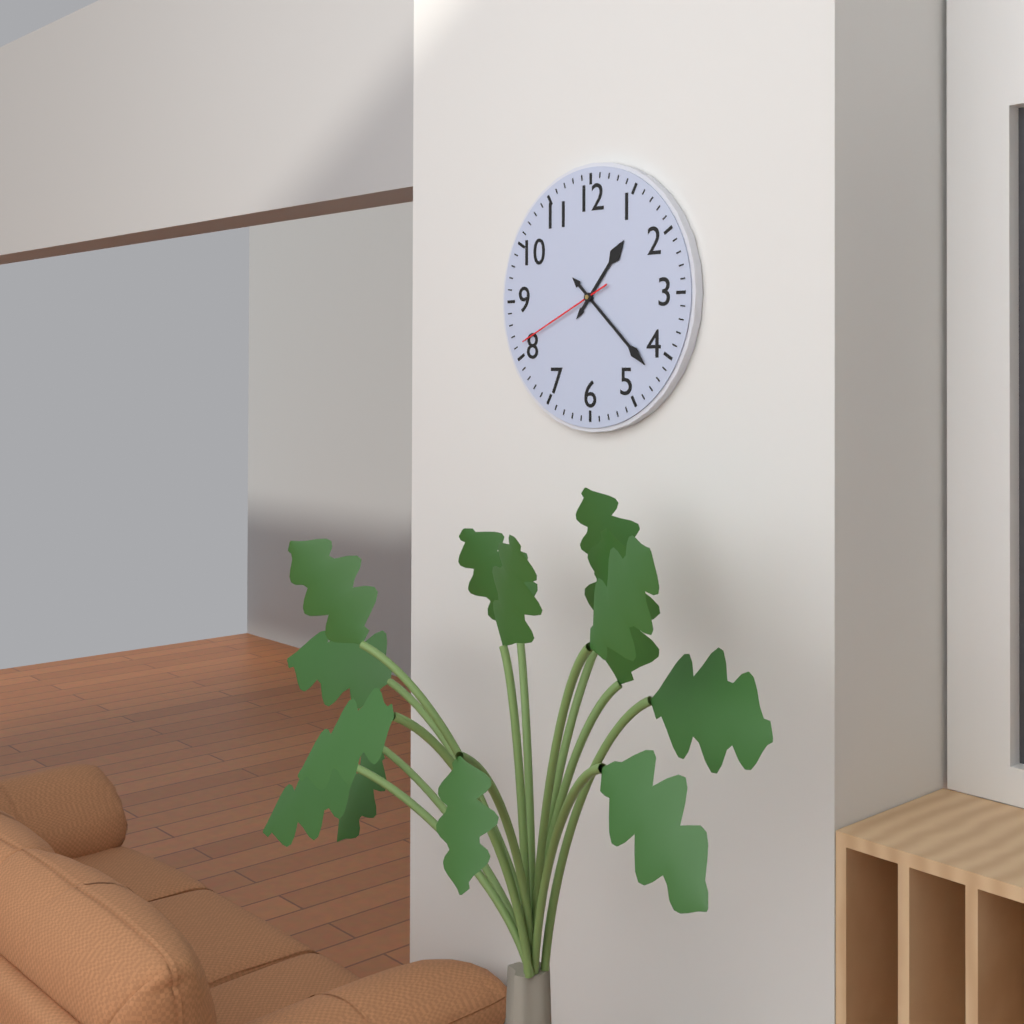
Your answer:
1 h 22 min 41 s
